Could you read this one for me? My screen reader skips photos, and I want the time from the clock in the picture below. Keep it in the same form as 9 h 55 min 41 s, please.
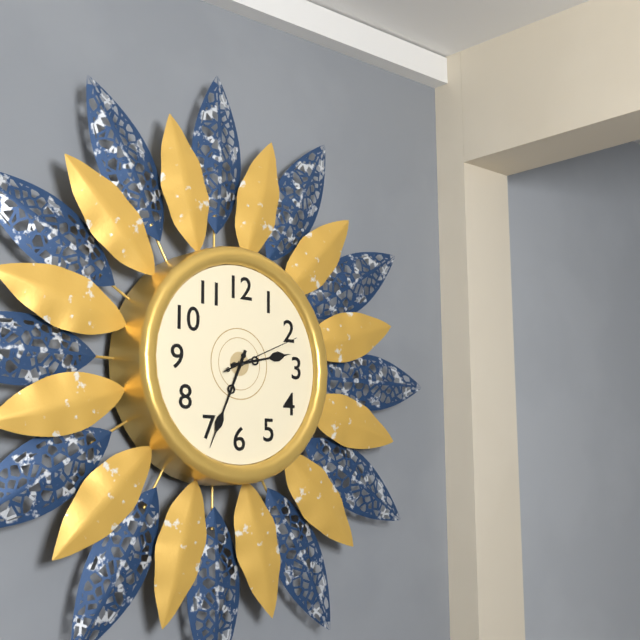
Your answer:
2 h 34 min 11 s
